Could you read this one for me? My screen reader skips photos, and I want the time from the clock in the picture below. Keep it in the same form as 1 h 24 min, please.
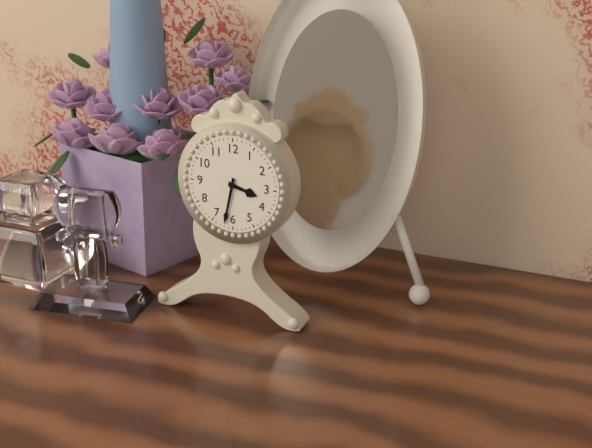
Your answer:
3 h 32 min
